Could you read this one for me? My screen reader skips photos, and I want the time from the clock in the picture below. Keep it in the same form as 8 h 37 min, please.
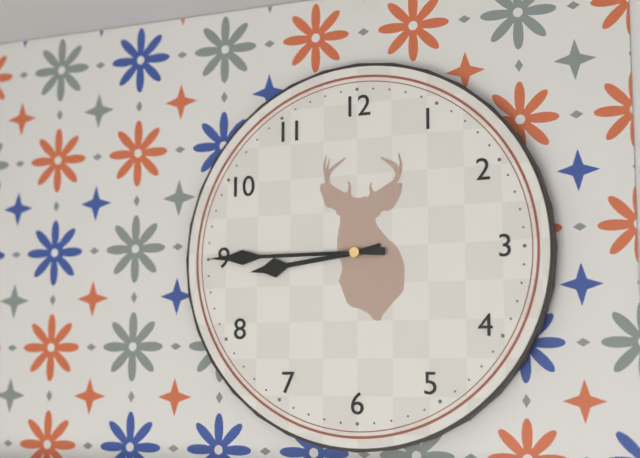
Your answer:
8 h 45 min
